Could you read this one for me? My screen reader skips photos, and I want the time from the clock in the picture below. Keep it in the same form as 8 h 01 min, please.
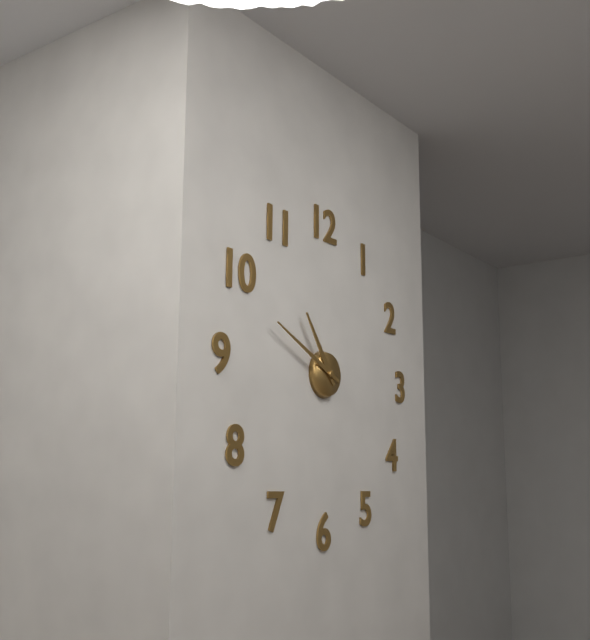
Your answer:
10 h 49 min
